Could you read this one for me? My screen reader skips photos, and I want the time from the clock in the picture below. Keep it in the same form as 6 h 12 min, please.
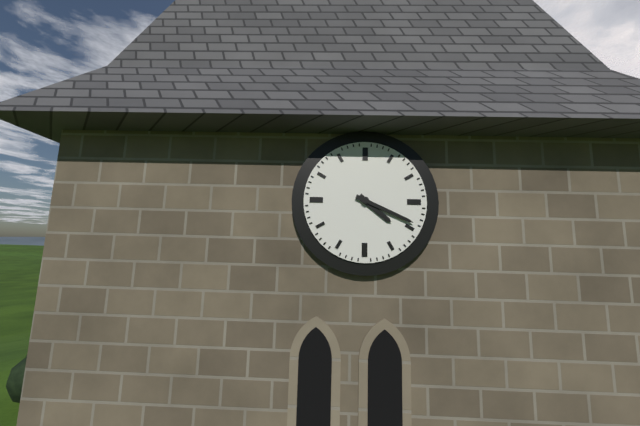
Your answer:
4 h 19 min
